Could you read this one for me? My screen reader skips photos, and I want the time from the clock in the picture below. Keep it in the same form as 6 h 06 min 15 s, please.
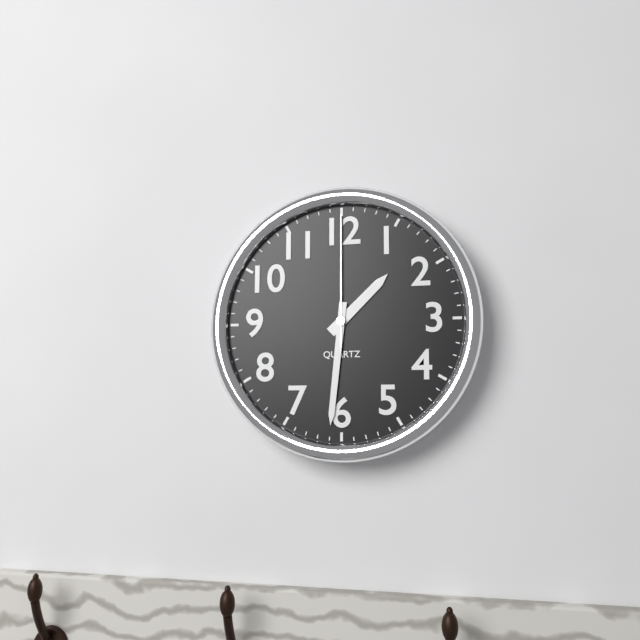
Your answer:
1 h 31 min 00 s
